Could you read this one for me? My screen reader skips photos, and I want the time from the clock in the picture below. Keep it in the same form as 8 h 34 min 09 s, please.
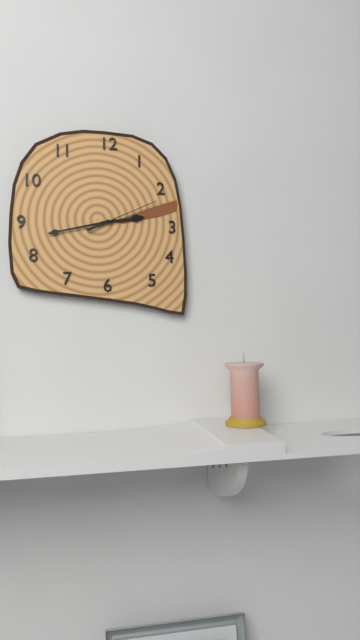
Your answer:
2 h 43 min 11 s
